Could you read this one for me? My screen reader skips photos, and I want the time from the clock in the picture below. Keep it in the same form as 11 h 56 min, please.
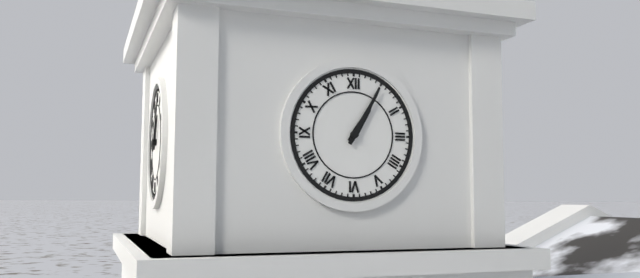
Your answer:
1 h 05 min
